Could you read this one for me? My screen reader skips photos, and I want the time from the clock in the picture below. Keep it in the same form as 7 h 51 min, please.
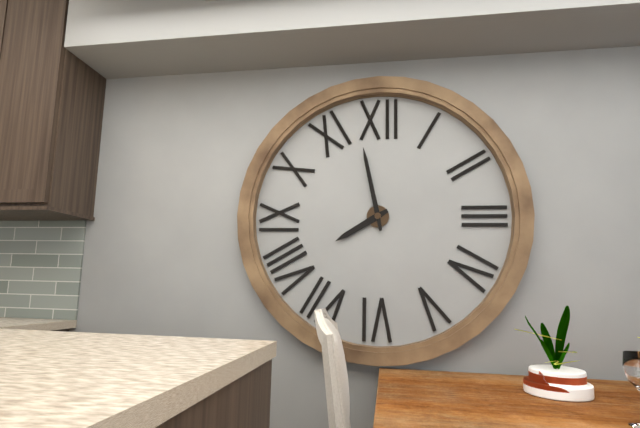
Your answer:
7 h 58 min
